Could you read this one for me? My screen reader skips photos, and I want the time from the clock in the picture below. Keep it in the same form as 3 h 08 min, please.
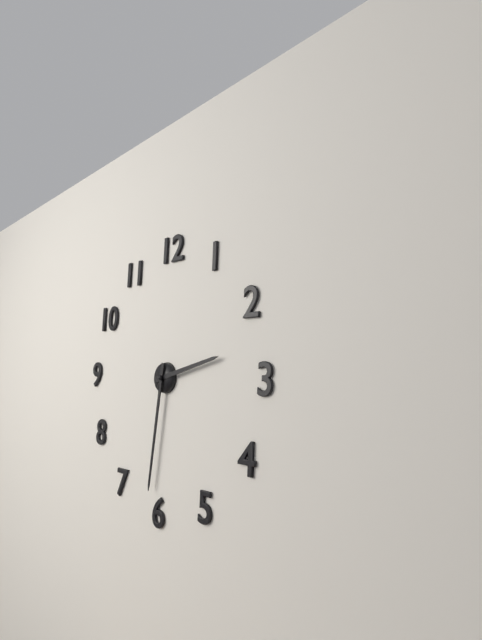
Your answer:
2 h 31 min
